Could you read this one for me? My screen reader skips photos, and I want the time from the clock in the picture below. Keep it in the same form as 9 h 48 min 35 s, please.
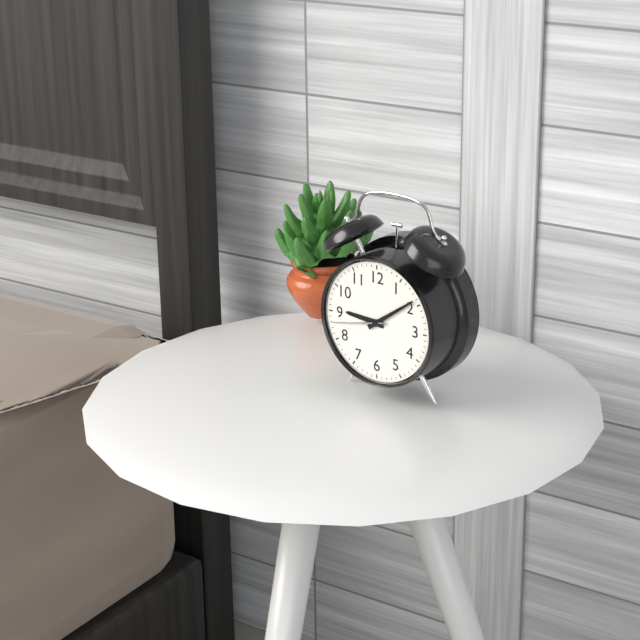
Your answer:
9 h 09 min 43 s
